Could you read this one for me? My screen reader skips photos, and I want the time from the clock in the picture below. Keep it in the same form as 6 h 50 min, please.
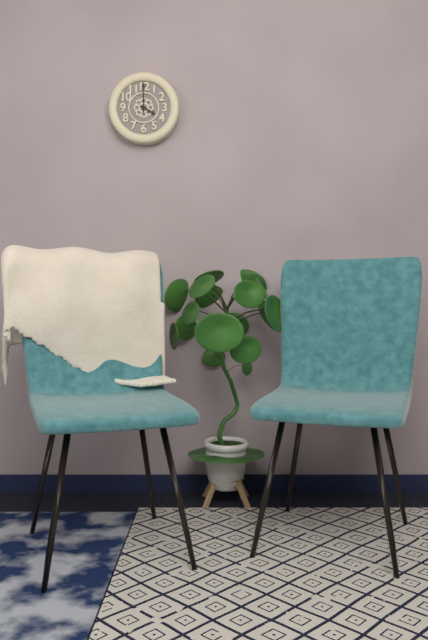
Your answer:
4 h 00 min
